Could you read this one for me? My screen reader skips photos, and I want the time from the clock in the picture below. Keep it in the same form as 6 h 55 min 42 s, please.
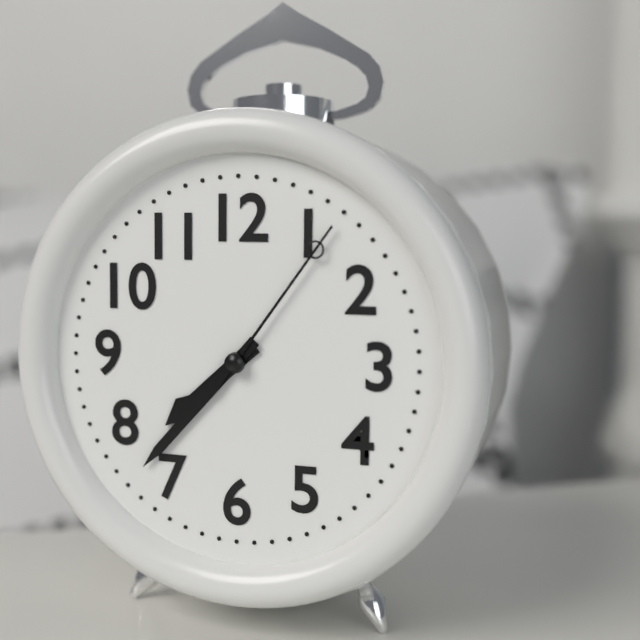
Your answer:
7 h 37 min 06 s
